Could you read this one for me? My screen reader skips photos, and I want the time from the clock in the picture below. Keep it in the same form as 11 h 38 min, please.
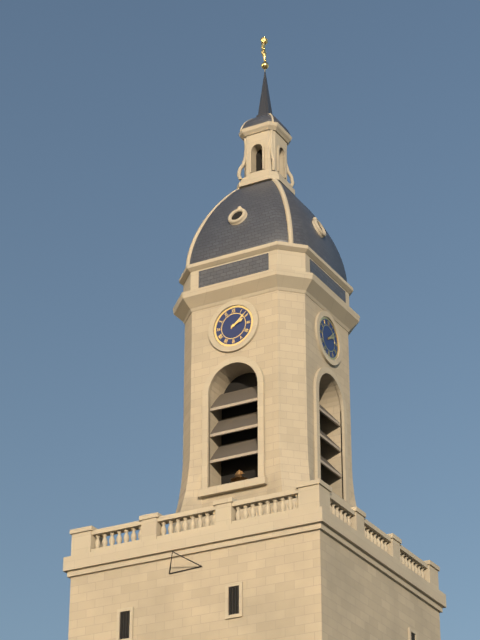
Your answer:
2 h 08 min
